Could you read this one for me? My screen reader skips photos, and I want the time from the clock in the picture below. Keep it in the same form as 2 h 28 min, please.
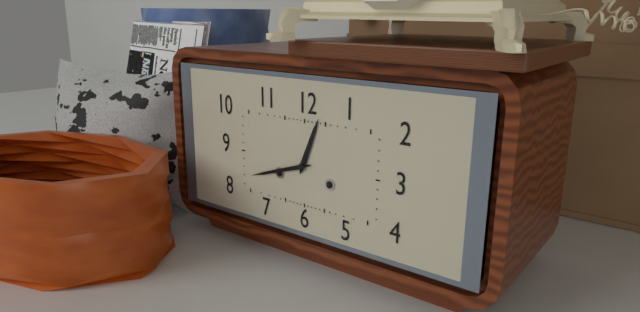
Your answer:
12 h 42 min
